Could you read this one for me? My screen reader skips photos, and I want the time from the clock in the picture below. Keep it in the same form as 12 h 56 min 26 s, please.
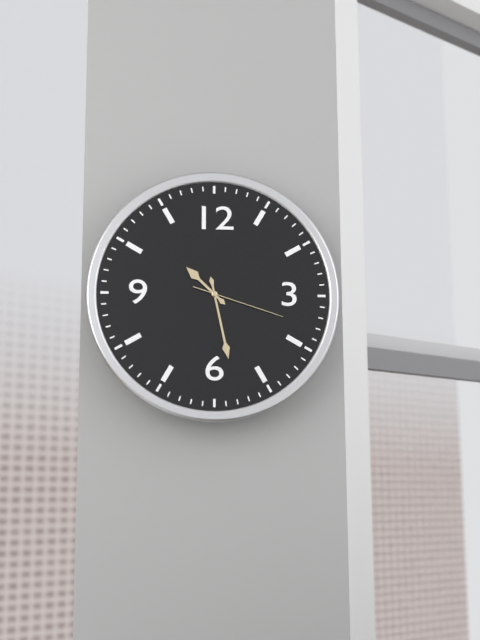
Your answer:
10 h 28 min 18 s
